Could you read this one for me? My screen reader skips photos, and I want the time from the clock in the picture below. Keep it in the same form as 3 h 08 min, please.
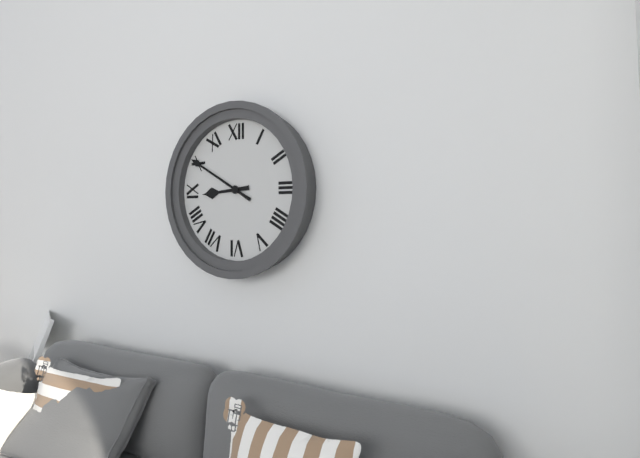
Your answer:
8 h 50 min
